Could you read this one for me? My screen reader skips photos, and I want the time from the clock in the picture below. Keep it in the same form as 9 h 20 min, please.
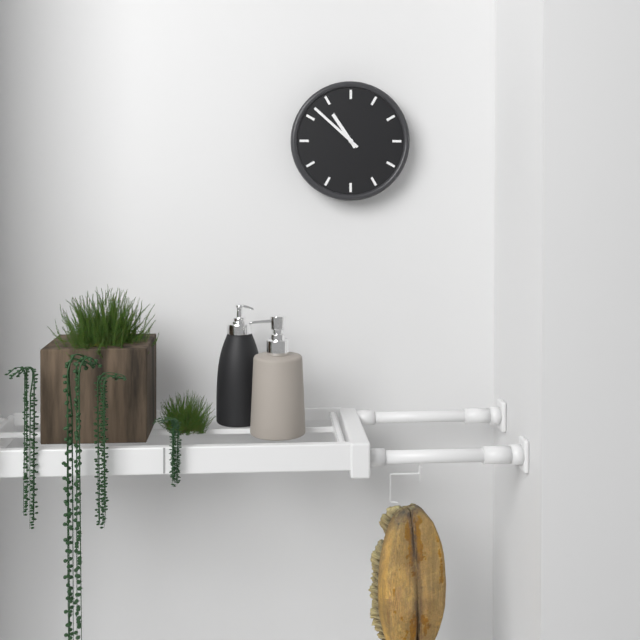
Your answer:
10 h 52 min
